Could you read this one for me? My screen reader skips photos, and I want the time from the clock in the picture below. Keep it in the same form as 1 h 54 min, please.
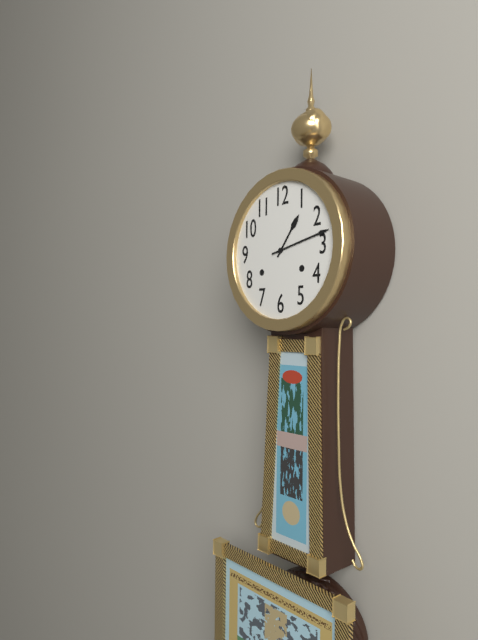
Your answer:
1 h 13 min
